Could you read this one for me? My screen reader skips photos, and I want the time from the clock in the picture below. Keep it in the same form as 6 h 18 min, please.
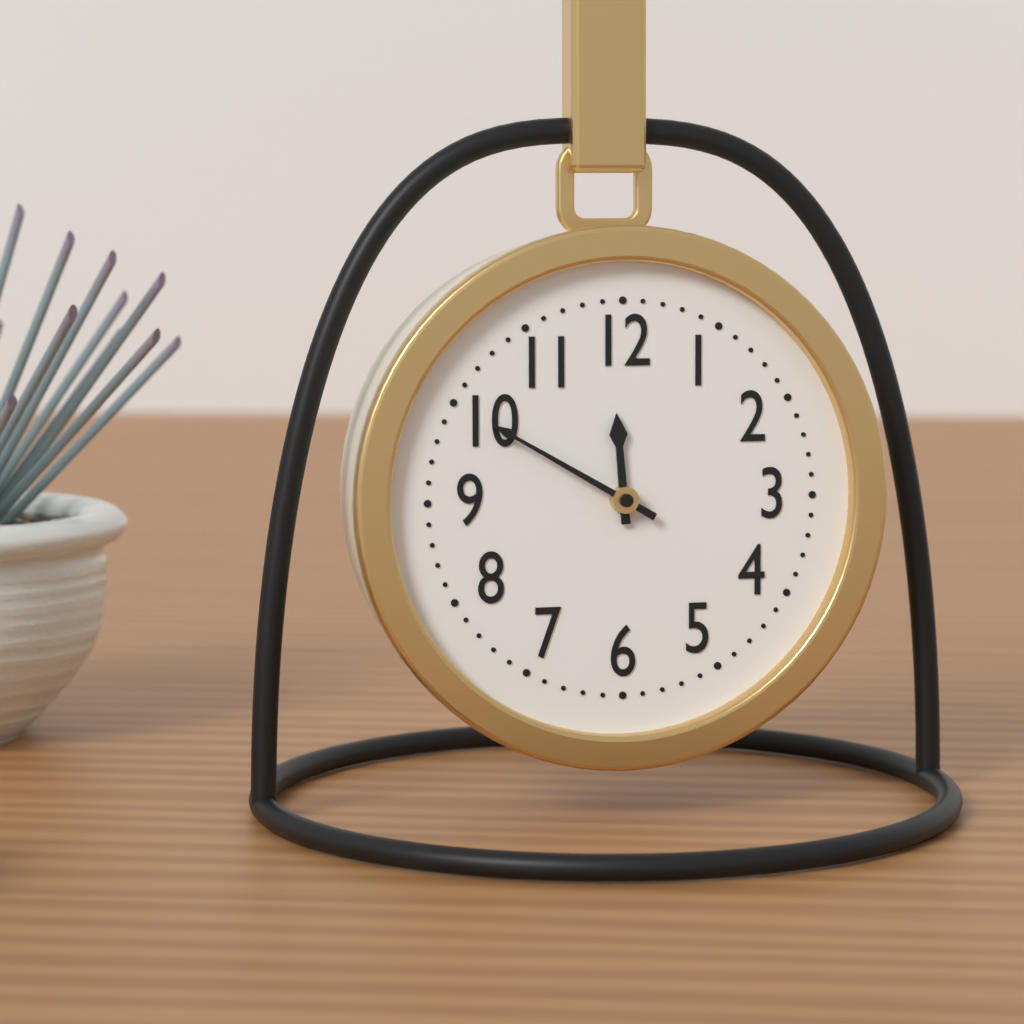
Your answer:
11 h 50 min
